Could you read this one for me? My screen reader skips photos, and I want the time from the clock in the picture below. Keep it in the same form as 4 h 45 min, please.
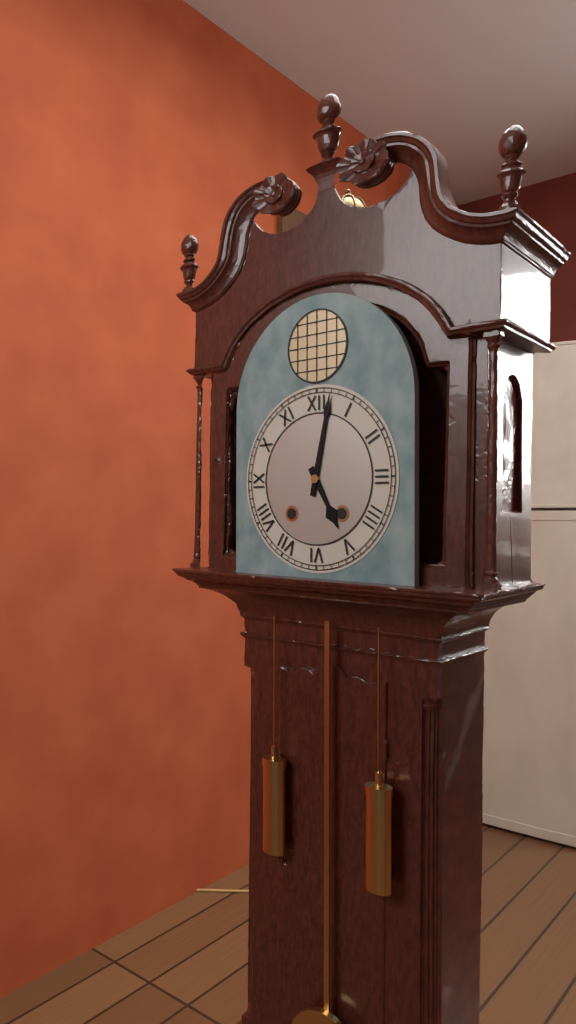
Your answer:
5 h 02 min
